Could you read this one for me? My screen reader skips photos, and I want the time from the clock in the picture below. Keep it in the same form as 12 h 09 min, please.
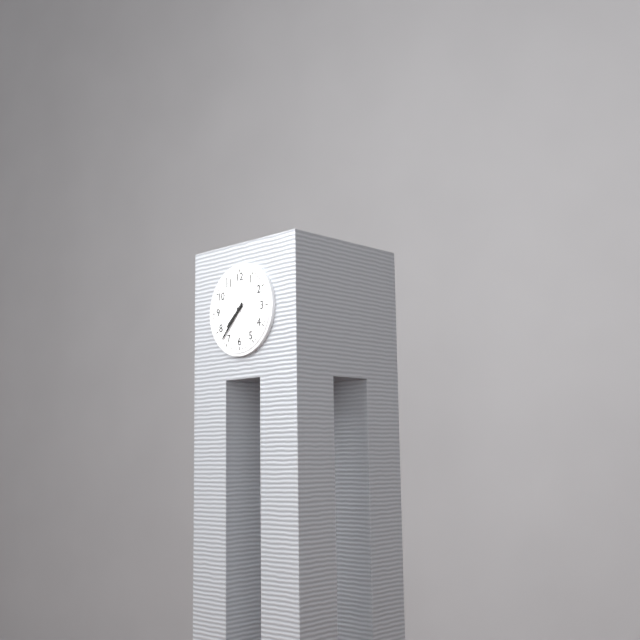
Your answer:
7 h 37 min
